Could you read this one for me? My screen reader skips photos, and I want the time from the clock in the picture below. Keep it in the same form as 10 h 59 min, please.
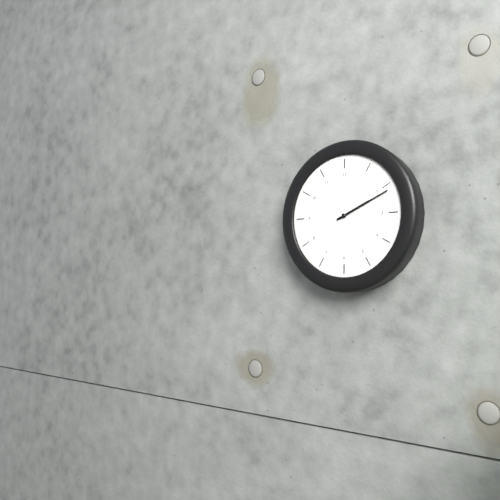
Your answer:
2 h 11 min
